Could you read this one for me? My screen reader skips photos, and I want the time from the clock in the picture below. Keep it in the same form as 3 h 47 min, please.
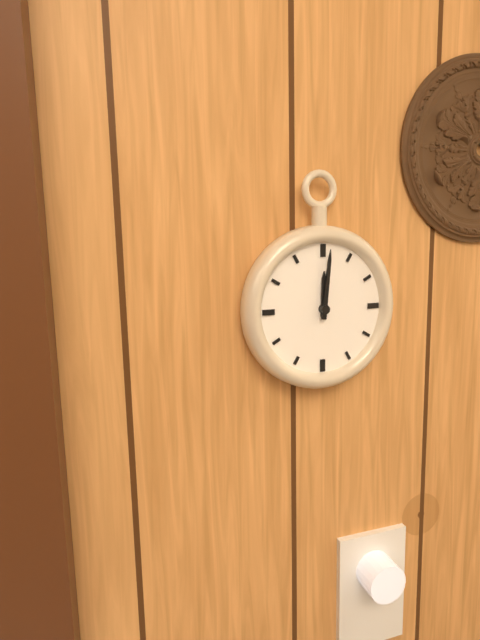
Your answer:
12 h 01 min
